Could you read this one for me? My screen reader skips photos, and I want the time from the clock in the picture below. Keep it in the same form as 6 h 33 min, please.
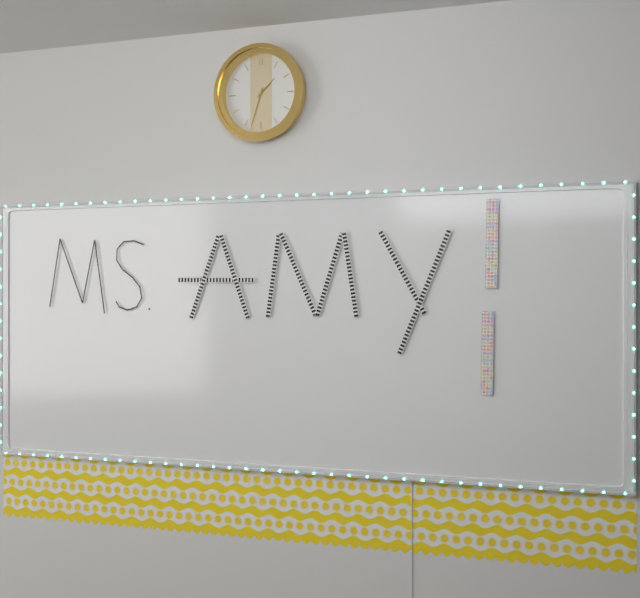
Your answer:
1 h 33 min
